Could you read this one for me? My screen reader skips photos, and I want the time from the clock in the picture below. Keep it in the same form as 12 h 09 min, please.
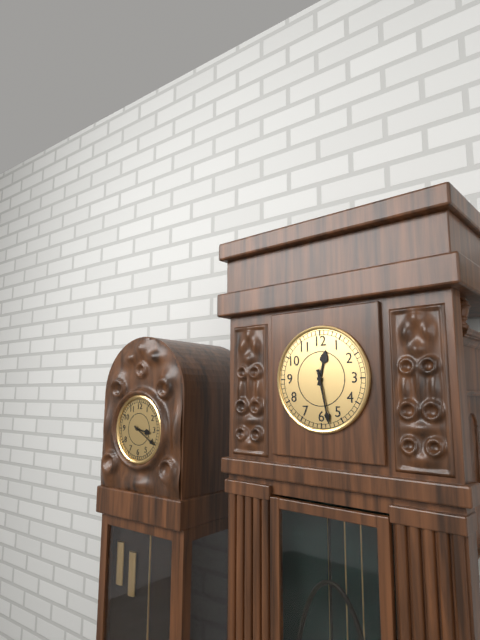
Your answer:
12 h 28 min
